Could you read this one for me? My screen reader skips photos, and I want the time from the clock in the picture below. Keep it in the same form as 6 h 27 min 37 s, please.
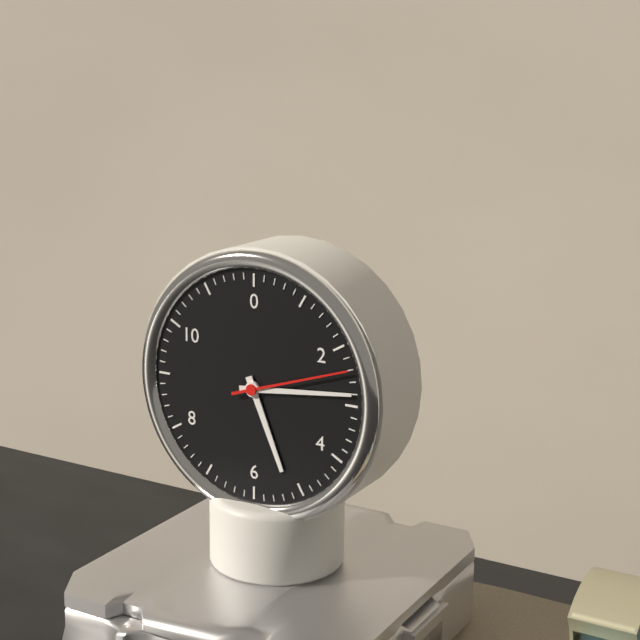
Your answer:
5 h 14 min 12 s
